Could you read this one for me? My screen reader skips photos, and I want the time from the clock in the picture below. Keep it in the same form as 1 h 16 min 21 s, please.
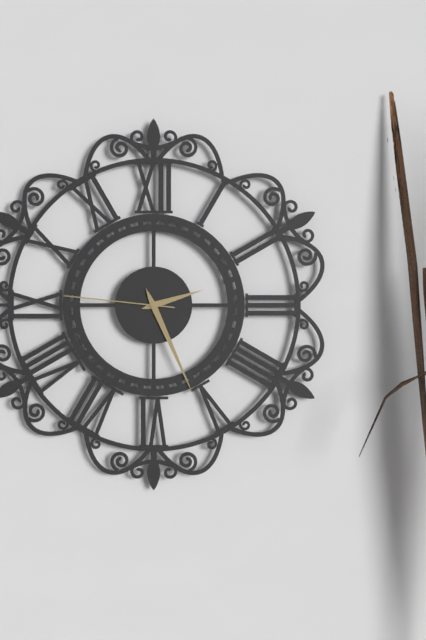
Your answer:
2 h 26 min 46 s
